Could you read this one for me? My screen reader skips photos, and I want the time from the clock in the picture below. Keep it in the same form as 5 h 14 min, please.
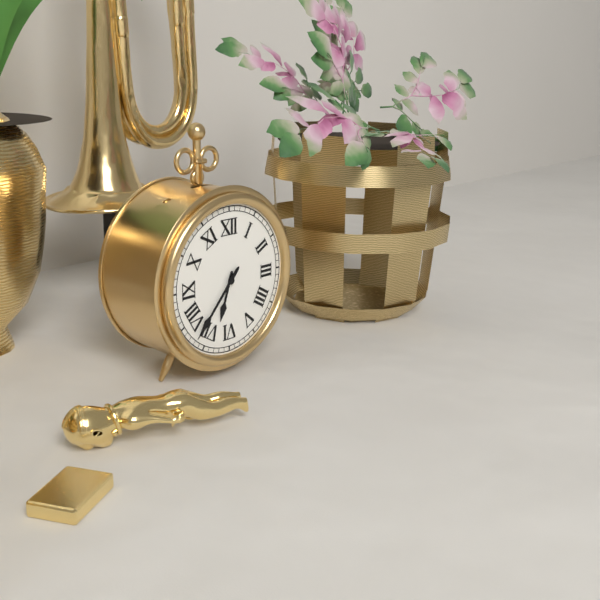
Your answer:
6 h 37 min
